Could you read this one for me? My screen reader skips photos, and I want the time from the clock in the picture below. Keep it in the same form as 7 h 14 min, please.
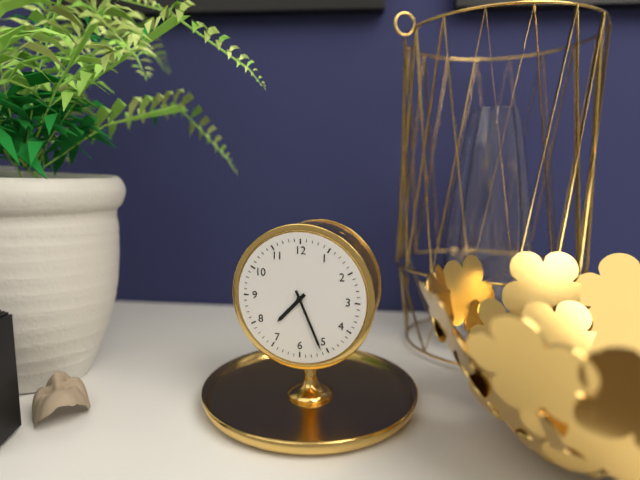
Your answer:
7 h 26 min
